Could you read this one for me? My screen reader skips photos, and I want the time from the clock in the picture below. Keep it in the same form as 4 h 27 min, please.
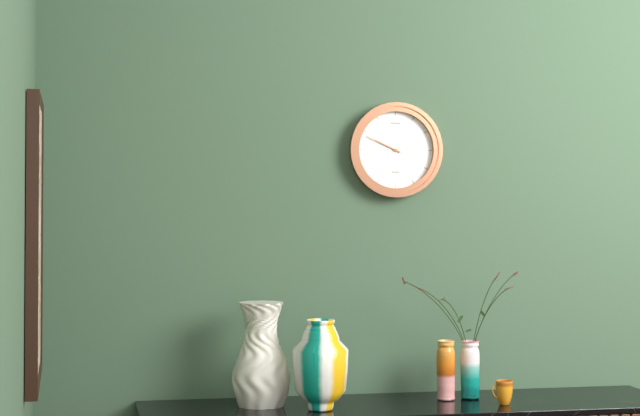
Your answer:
9 h 49 min
